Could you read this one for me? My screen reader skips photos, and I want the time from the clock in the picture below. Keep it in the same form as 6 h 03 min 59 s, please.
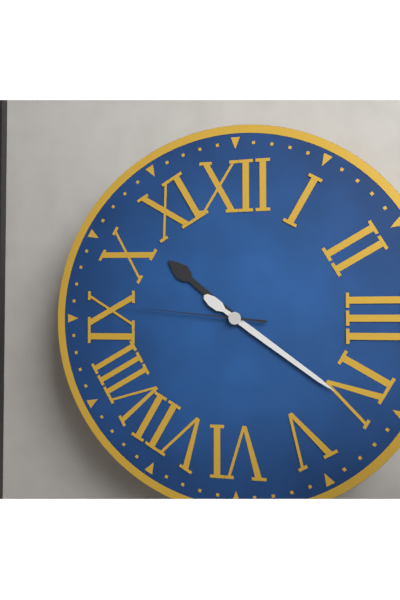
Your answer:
10 h 21 min 46 s
